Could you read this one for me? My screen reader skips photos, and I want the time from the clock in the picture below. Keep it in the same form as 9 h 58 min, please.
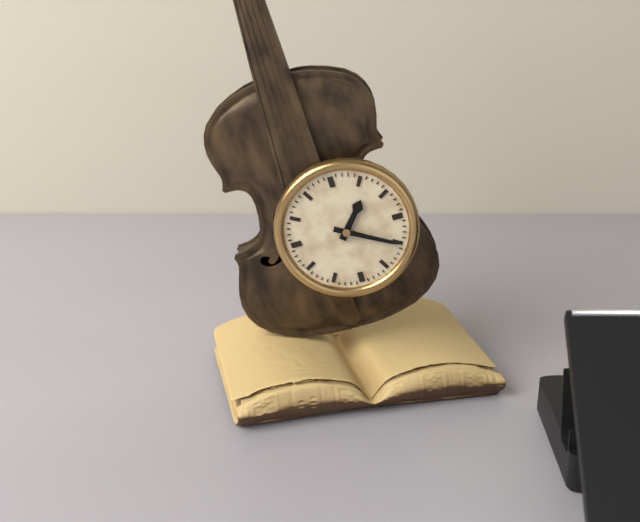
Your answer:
1 h 20 min
